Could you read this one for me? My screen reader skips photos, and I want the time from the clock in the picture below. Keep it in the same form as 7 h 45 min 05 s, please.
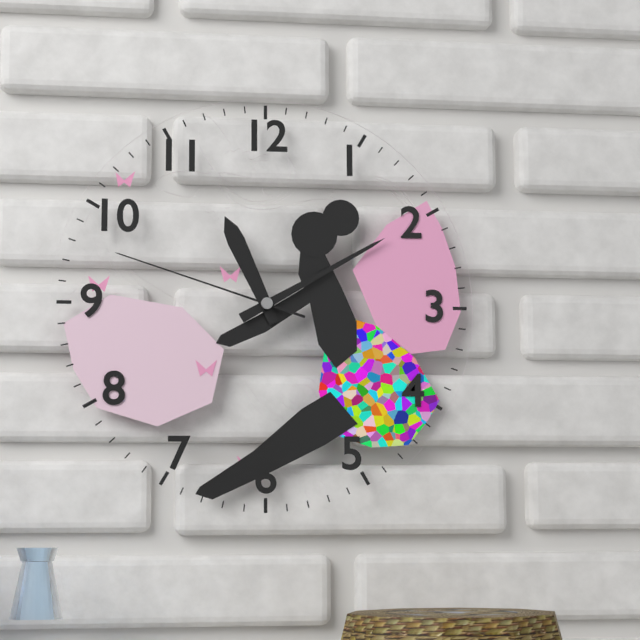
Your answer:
11 h 10 min 48 s
